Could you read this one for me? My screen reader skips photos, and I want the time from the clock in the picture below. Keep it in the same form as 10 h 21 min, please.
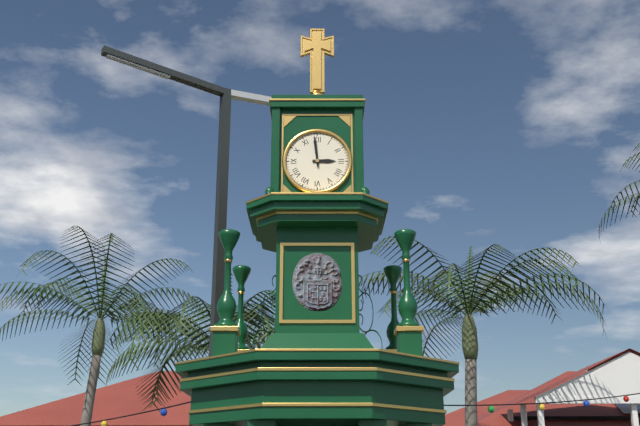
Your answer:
2 h 59 min
